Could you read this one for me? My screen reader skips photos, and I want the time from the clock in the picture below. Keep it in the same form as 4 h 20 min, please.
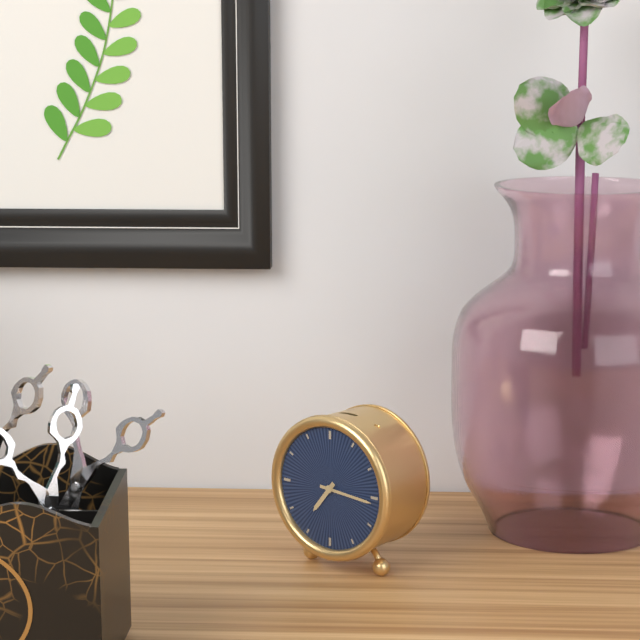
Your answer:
7 h 16 min
